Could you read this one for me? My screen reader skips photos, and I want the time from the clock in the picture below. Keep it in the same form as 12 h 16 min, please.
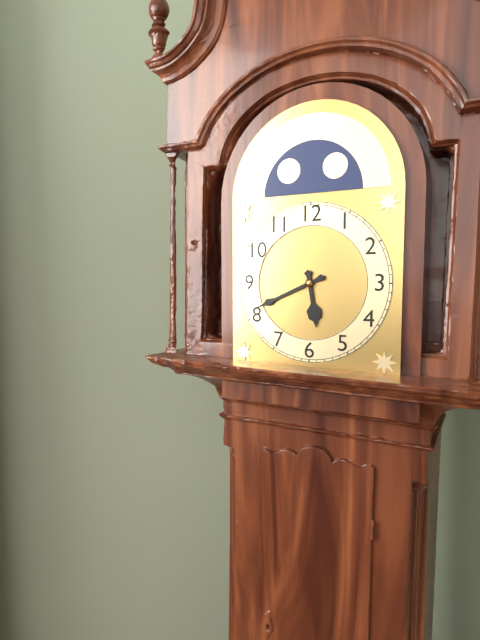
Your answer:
5 h 41 min
